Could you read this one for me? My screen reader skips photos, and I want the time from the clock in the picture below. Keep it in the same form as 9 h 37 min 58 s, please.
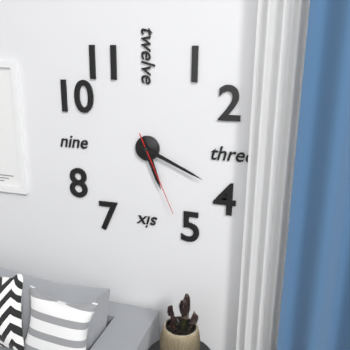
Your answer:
5 h 19 min 26 s
